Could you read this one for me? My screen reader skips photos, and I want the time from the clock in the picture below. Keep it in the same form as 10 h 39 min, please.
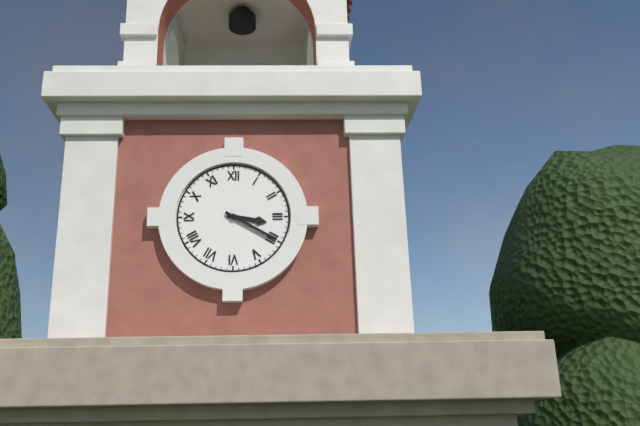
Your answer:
3 h 20 min
